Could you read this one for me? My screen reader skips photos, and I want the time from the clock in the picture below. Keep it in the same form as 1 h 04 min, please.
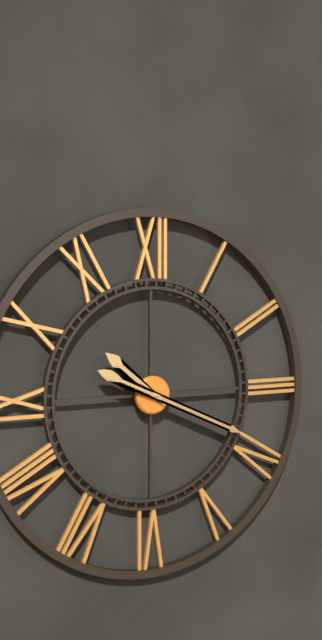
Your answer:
10 h 19 min
